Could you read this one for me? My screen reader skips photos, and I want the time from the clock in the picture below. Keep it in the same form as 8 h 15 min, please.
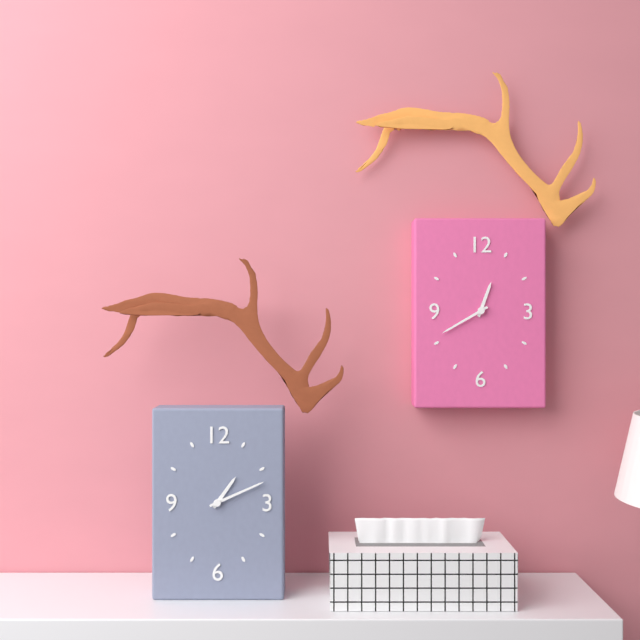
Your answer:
1 h 11 min
